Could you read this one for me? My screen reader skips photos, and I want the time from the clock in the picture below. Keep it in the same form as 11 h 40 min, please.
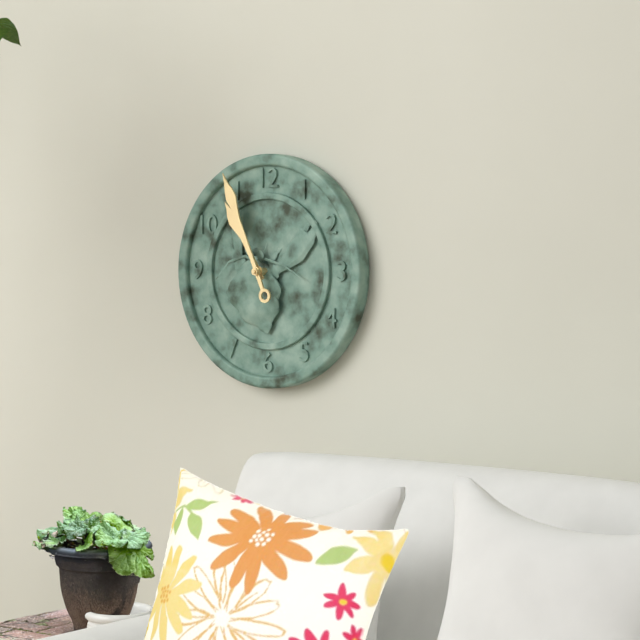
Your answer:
10 h 56 min
